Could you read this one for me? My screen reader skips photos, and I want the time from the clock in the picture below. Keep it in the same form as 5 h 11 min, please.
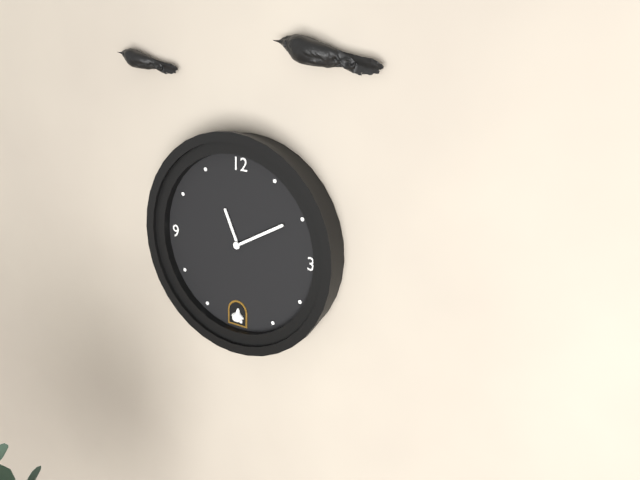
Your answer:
11 h 10 min
